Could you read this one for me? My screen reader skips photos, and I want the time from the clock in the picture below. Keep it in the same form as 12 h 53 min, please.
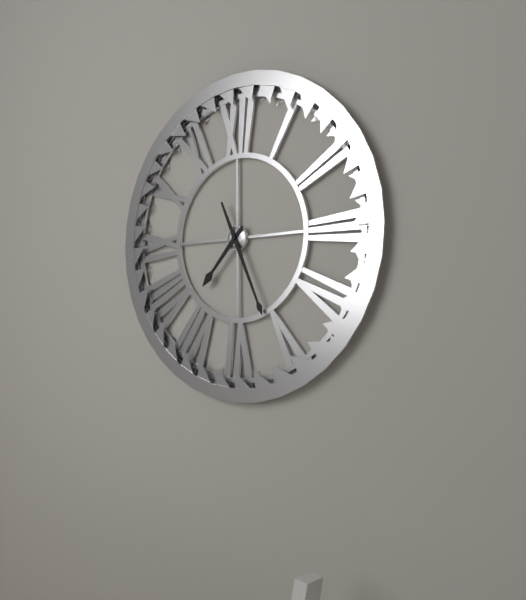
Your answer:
7 h 26 min
